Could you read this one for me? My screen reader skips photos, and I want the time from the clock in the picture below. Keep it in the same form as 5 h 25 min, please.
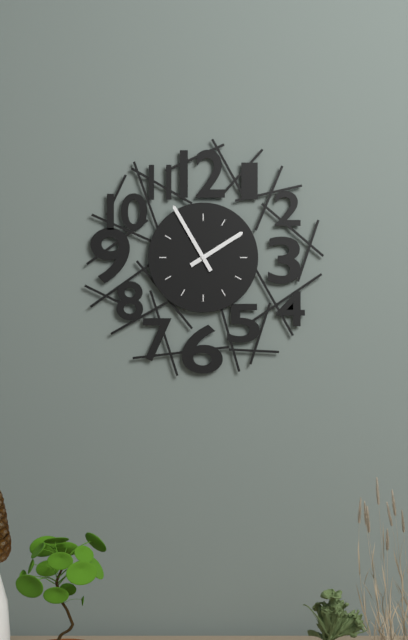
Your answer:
1 h 55 min
